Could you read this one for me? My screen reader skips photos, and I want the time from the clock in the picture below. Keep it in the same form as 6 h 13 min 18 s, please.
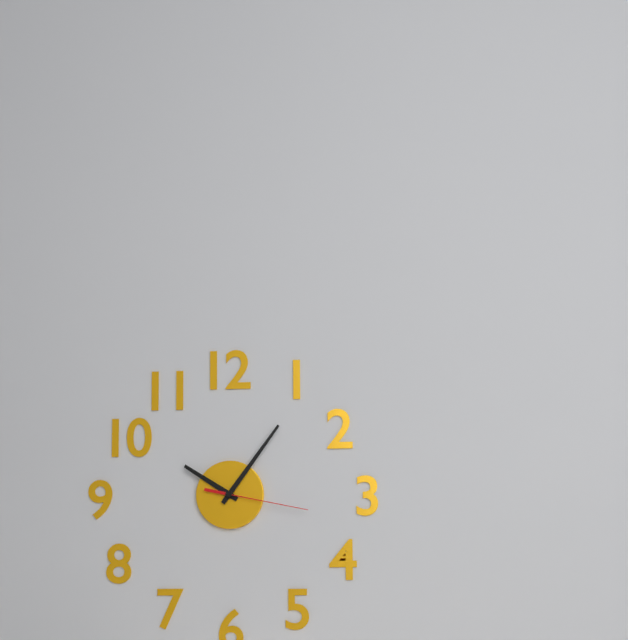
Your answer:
10 h 06 min 17 s
